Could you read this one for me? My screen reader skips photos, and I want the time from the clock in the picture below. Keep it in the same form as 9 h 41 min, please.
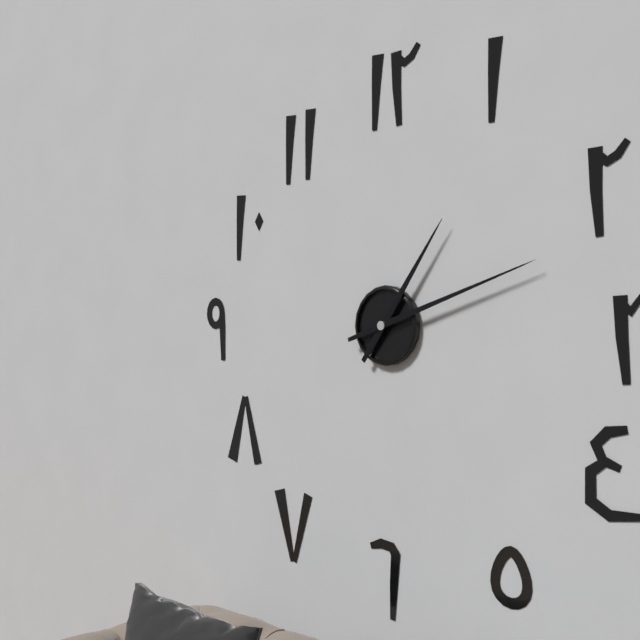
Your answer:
1 h 12 min
